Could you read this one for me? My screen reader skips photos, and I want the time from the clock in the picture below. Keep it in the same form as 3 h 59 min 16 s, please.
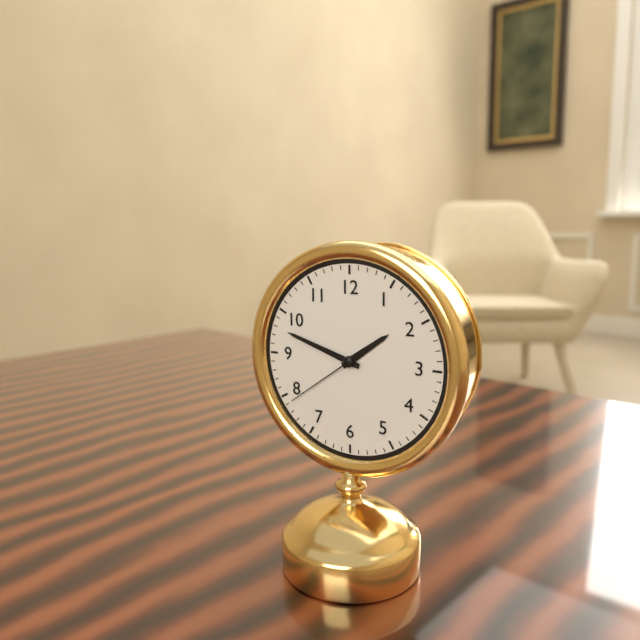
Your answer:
1 h 48 min 39 s
